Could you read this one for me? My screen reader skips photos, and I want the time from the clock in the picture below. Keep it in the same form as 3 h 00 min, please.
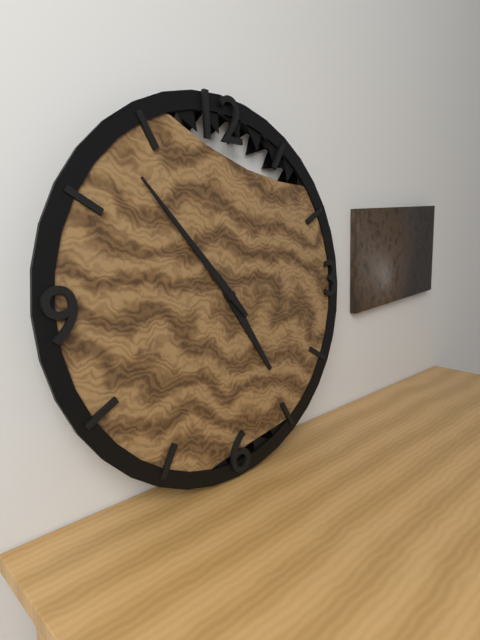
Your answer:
4 h 53 min
